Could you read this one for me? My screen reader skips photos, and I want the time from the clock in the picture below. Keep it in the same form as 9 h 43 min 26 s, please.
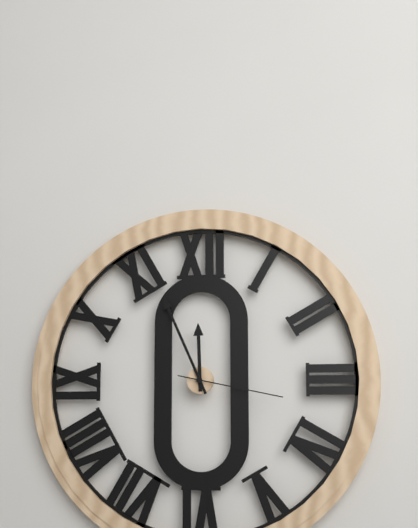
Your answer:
11 h 56 min 17 s
